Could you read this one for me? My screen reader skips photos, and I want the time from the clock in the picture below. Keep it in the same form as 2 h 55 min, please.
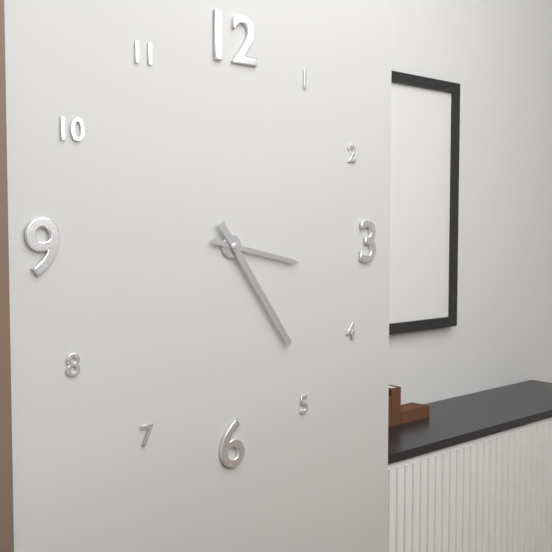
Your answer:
3 h 24 min
